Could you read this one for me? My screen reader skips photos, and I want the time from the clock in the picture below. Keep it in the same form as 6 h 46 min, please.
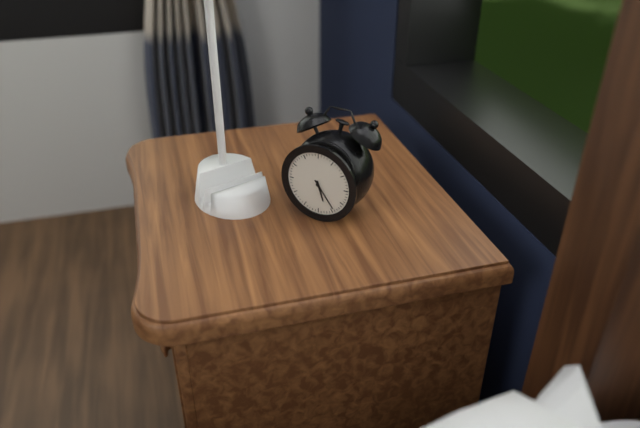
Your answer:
5 h 24 min
